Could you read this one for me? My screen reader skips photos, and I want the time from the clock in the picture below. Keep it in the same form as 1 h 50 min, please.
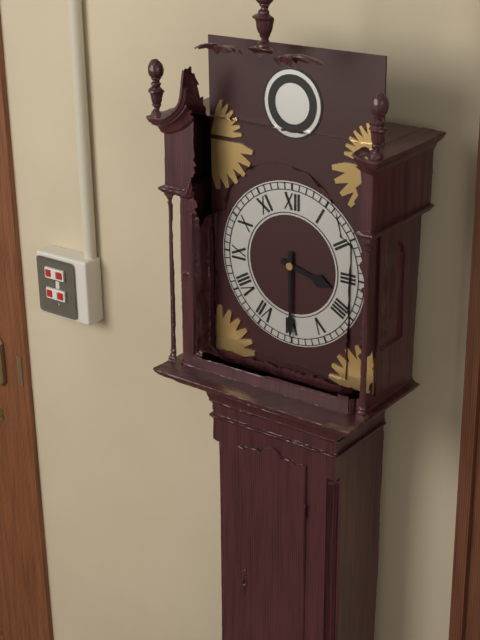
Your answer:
3 h 30 min
